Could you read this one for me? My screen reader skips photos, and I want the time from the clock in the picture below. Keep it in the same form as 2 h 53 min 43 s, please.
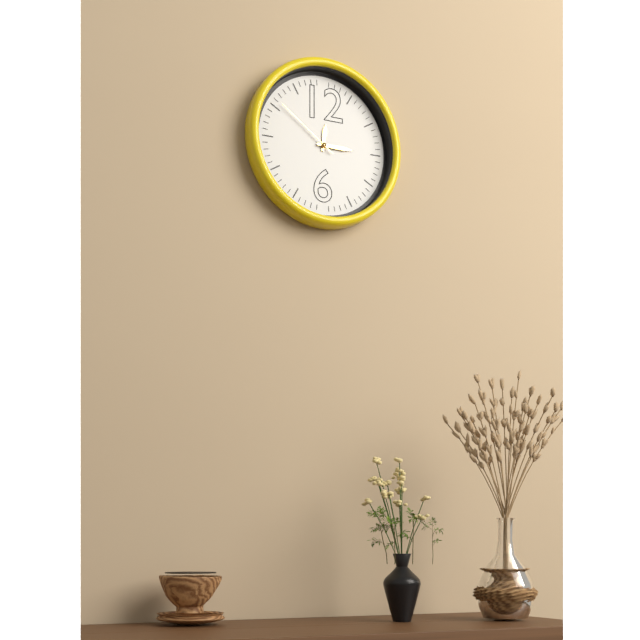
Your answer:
12 h 15 min 51 s
